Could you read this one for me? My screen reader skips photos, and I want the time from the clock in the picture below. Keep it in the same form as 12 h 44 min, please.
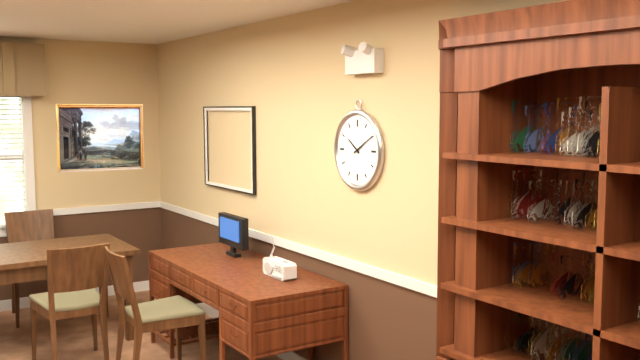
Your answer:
10 h 10 min
